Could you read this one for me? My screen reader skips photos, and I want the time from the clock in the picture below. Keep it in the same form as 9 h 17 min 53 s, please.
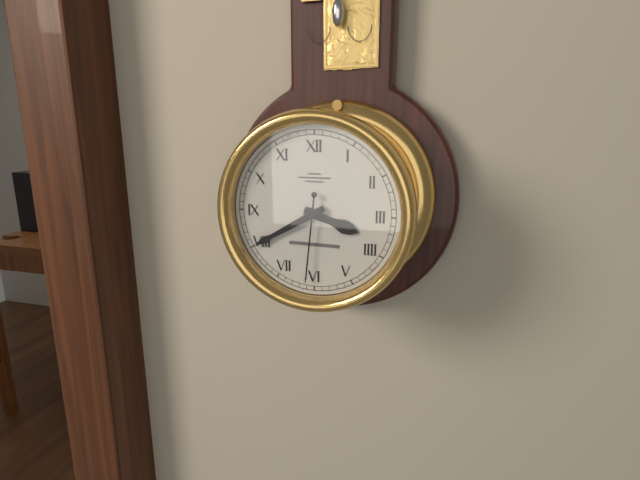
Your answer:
3 h 40 min 31 s
